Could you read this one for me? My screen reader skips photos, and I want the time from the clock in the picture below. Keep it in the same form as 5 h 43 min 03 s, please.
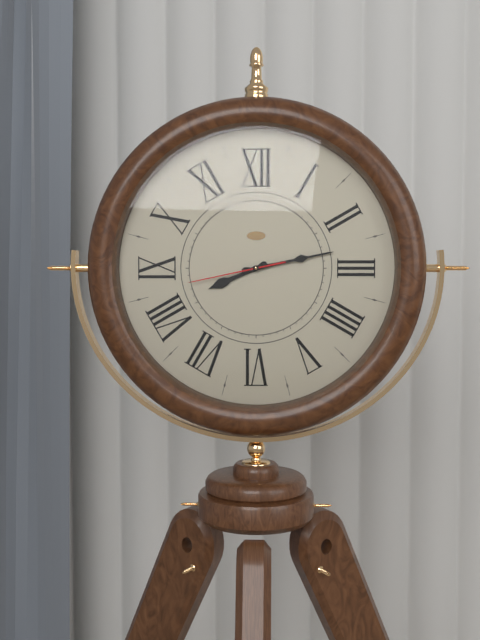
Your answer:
8 h 13 min 43 s
